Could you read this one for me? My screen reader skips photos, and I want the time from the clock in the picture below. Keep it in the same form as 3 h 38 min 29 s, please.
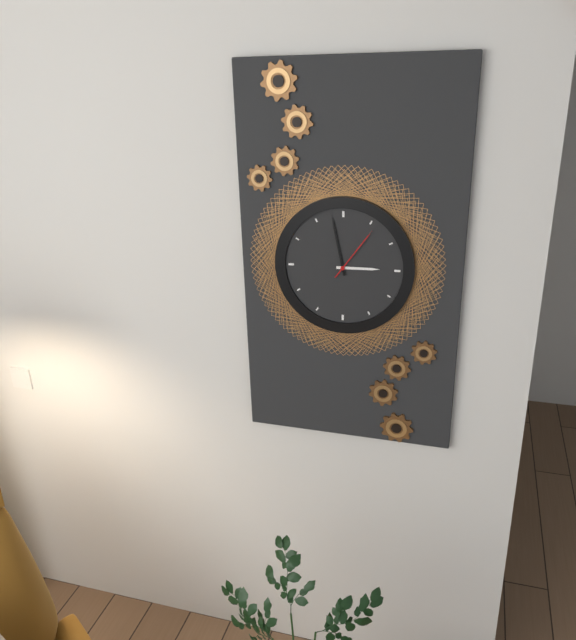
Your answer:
2 h 58 min 06 s
